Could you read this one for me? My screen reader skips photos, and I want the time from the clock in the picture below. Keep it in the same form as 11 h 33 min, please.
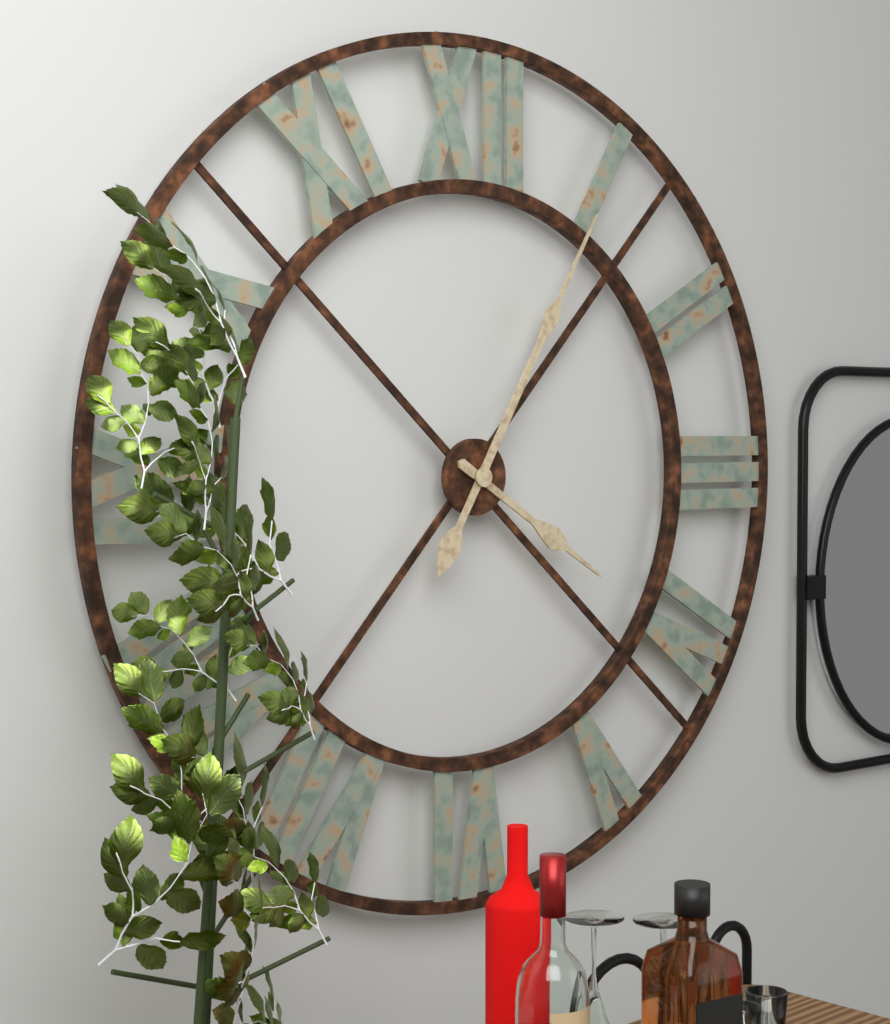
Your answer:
4 h 05 min
